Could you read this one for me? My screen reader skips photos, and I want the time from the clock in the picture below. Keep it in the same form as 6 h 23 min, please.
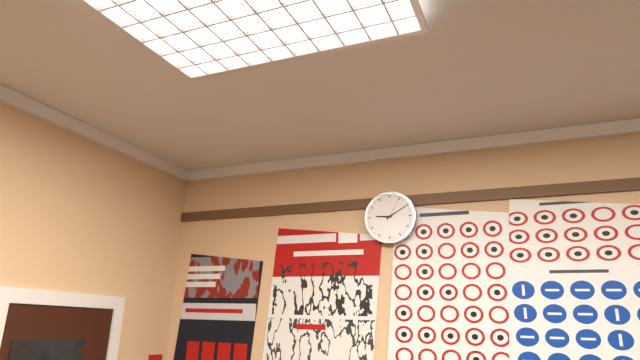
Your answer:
9 h 10 min
